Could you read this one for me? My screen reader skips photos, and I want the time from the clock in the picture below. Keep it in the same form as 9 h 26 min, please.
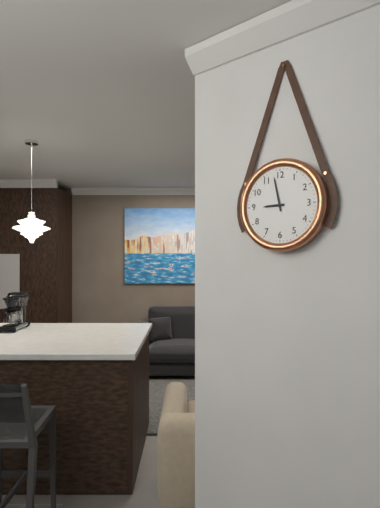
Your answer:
8 h 58 min
